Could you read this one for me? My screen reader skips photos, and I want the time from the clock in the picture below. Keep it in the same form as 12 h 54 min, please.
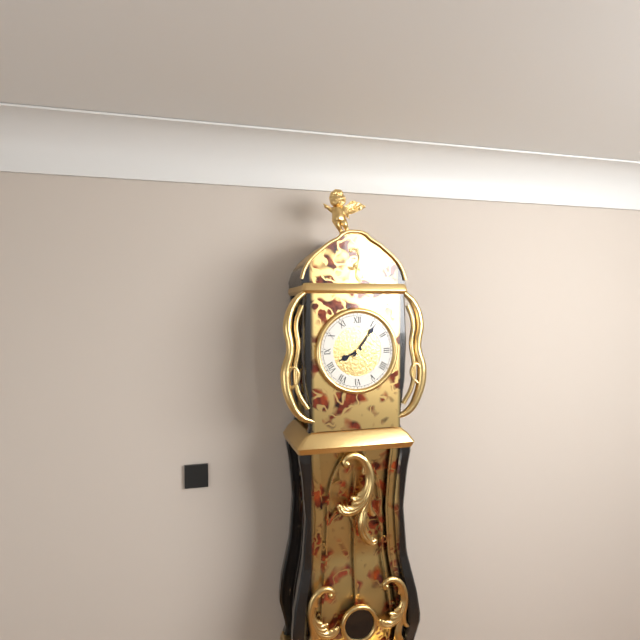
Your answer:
8 h 06 min
